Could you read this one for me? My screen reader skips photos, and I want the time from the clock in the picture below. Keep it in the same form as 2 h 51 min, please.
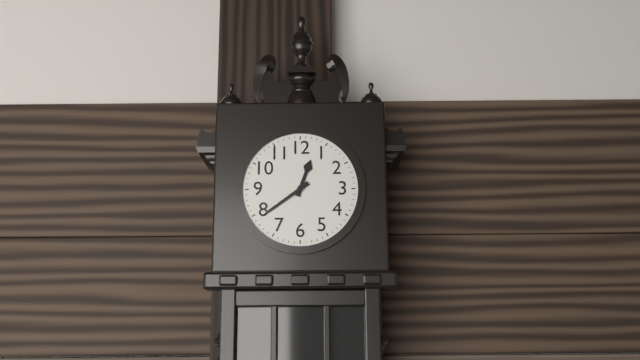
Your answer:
12 h 39 min
